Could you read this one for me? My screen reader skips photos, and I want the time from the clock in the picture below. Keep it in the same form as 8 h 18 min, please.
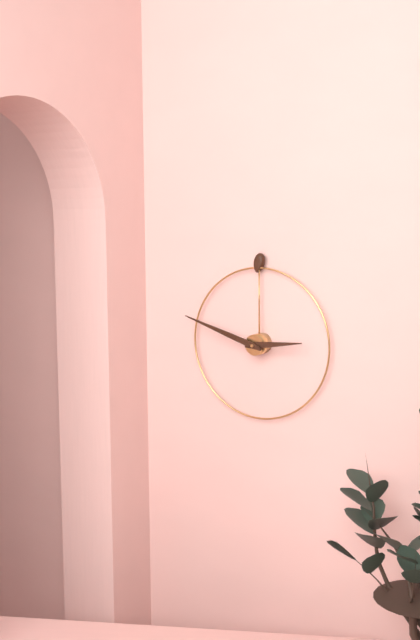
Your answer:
2 h 48 min
